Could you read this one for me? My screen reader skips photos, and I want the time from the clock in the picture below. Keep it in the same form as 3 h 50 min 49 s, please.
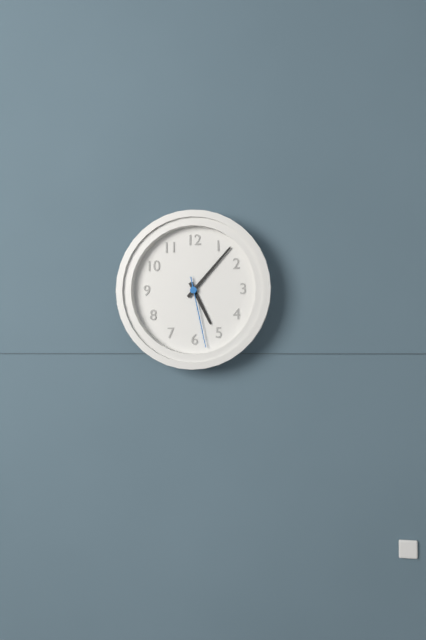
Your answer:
5 h 07 min 28 s
